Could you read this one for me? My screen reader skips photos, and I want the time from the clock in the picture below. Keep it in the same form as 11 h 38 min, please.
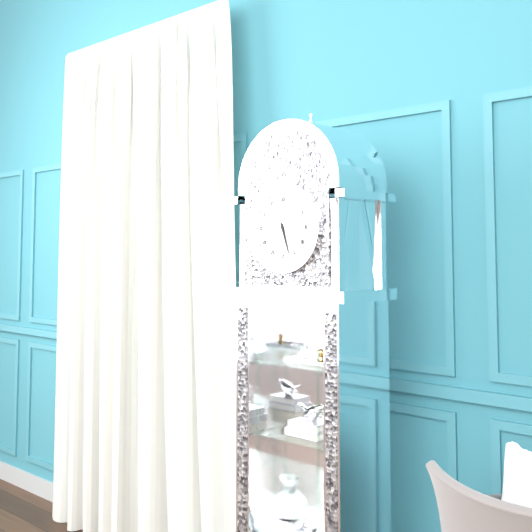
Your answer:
5 h 27 min
